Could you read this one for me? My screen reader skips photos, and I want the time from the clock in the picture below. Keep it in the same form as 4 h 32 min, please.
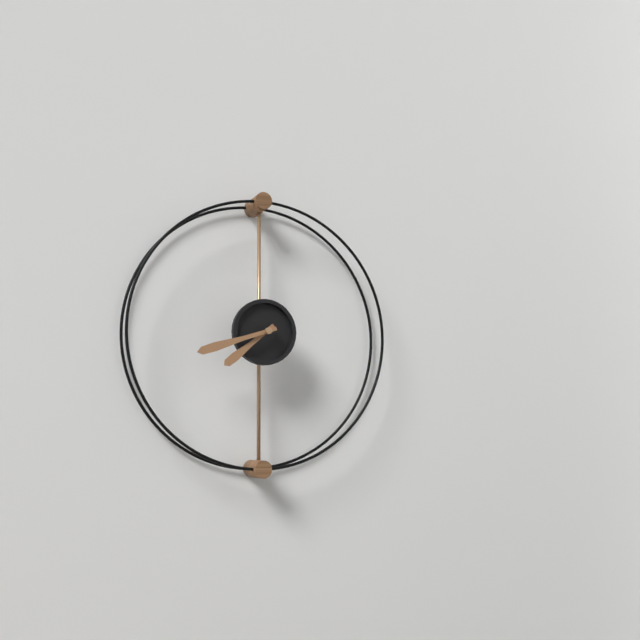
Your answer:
7 h 42 min
